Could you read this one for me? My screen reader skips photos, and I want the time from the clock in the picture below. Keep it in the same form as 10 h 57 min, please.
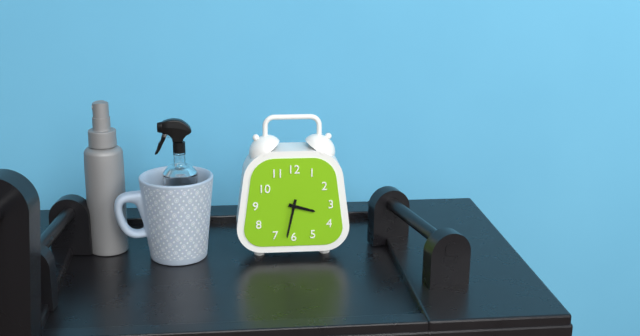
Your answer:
3 h 32 min
